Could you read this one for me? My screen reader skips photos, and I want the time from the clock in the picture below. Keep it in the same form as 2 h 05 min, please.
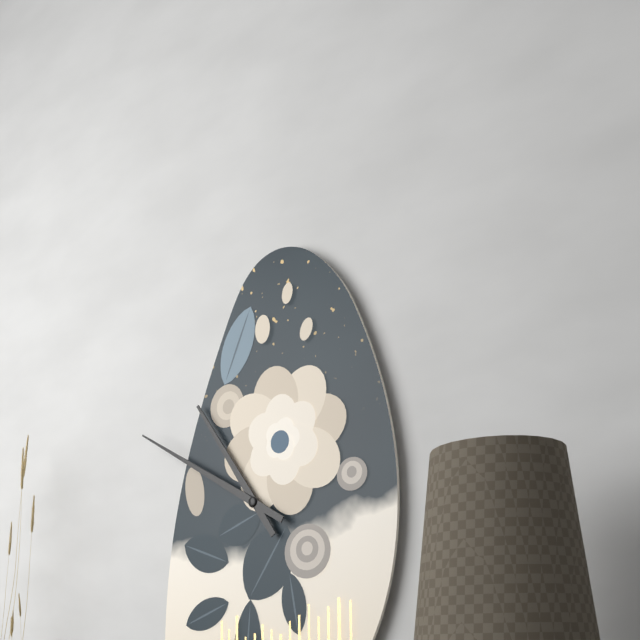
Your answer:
10 h 50 min
